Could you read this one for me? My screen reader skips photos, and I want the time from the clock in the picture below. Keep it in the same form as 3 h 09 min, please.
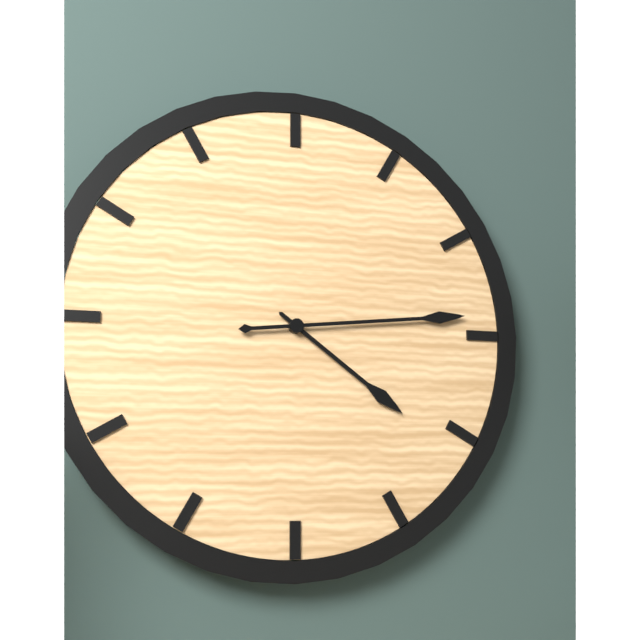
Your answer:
4 h 14 min
